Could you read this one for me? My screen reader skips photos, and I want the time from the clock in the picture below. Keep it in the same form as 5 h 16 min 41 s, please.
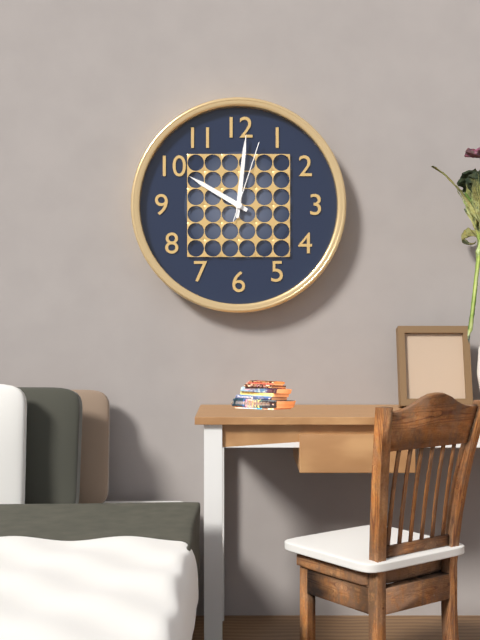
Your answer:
10 h 01 min 03 s
